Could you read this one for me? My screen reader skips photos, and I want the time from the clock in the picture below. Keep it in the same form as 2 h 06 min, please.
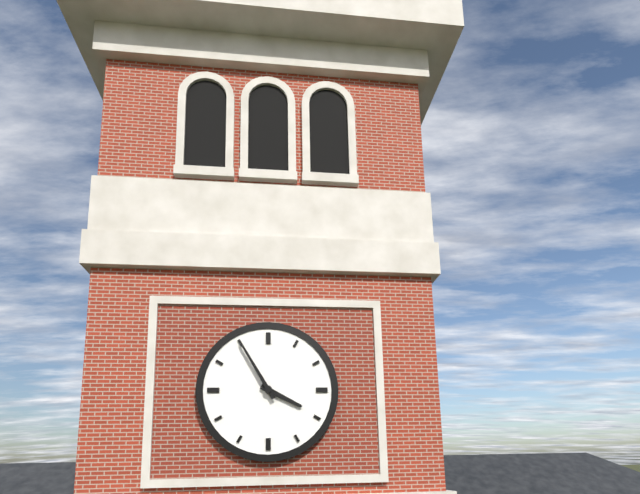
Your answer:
3 h 55 min
